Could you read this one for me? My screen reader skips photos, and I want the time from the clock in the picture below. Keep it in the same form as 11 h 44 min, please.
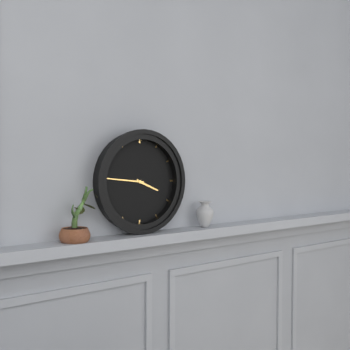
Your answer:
3 h 46 min
